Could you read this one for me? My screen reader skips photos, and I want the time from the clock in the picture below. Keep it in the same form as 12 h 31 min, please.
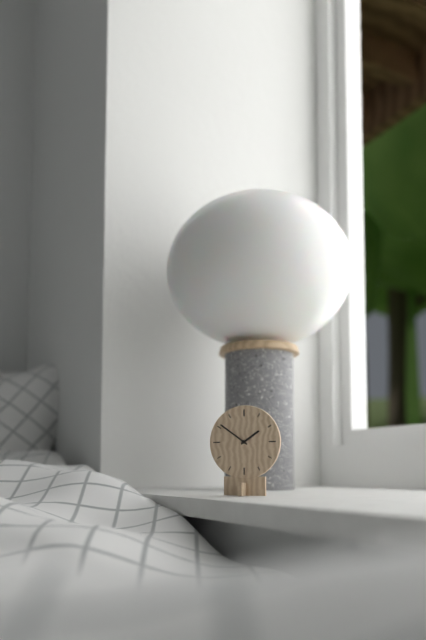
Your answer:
1 h 51 min
